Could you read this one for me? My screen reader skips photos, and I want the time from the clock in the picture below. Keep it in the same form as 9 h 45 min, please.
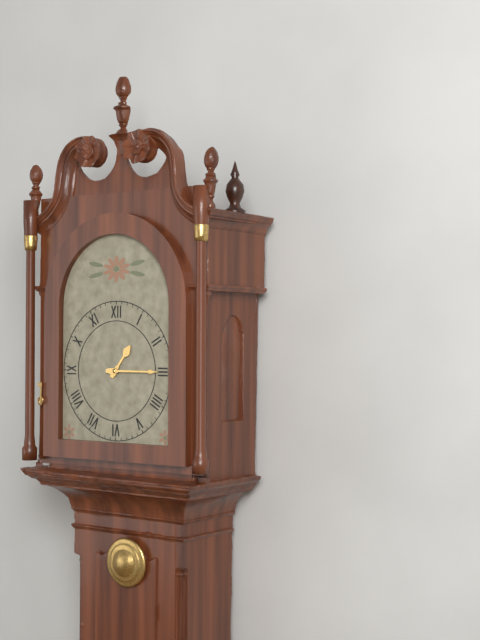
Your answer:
1 h 15 min
